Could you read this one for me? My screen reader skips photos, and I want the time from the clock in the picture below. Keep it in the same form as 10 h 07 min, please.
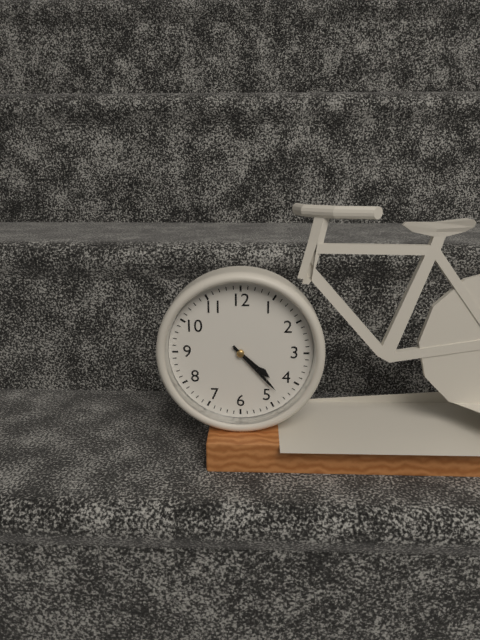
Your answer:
4 h 23 min
